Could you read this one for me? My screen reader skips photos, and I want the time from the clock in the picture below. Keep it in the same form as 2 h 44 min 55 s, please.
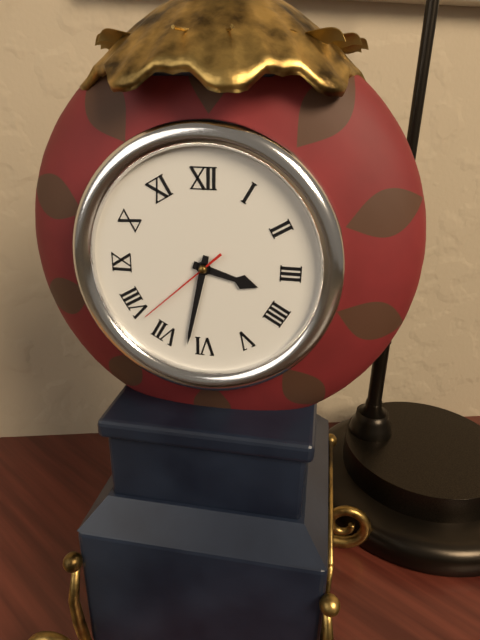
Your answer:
3 h 32 min 38 s
